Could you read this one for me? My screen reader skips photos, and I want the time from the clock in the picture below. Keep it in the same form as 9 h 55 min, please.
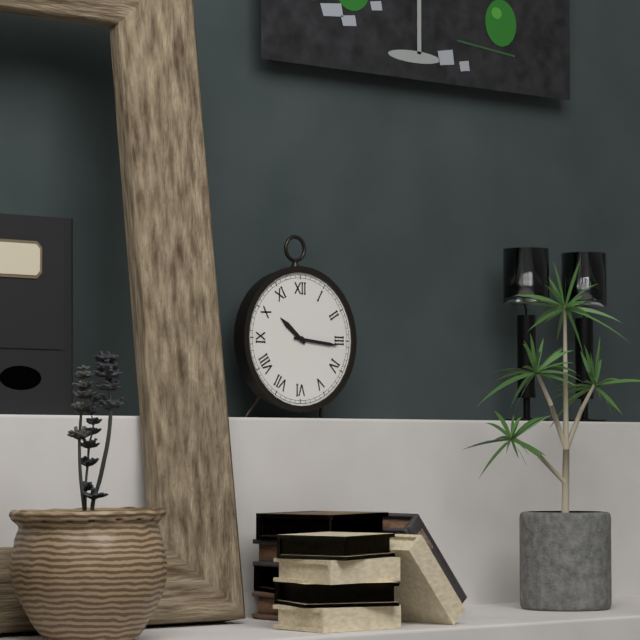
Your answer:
10 h 16 min
